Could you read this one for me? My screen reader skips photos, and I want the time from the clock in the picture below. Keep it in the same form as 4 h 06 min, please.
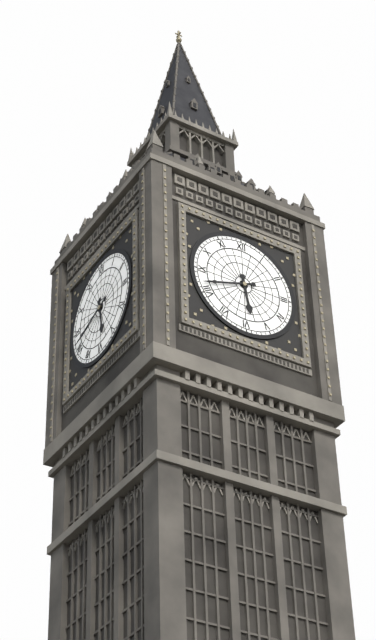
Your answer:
5 h 42 min
